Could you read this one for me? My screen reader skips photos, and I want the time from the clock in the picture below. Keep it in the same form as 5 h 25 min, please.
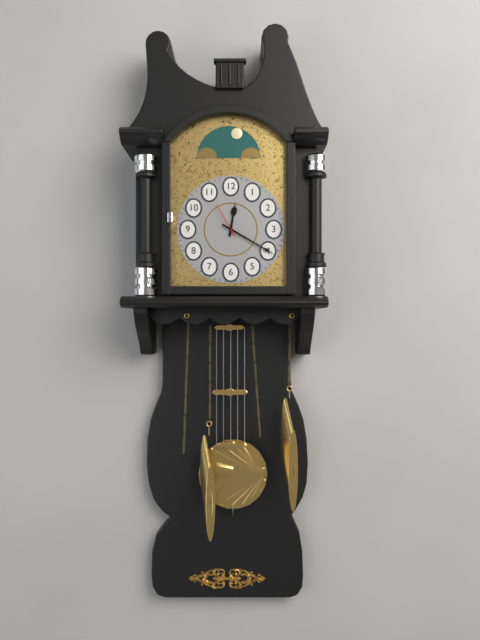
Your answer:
12 h 20 min
